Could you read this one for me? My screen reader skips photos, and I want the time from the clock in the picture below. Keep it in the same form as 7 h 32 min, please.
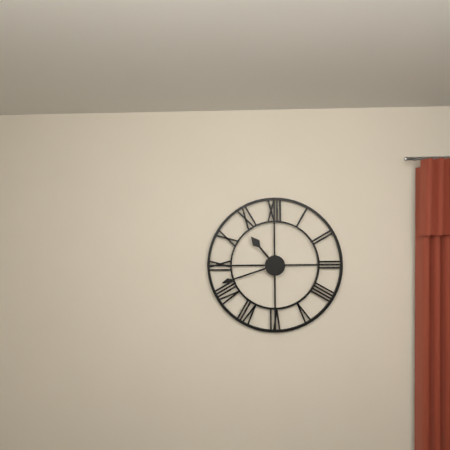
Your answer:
10 h 42 min
